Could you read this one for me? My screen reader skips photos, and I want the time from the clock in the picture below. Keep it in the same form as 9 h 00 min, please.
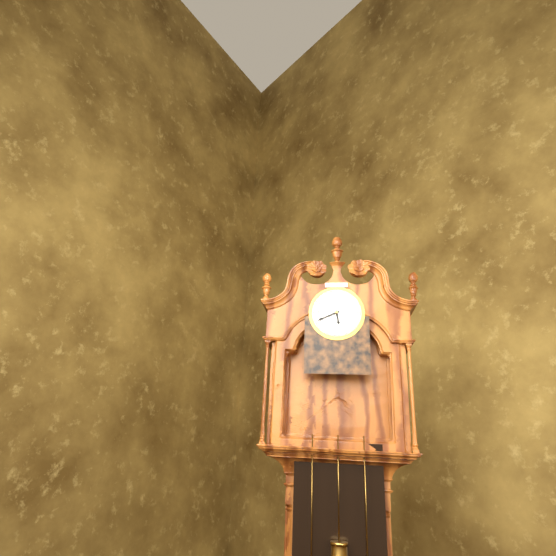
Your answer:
5 h 41 min
